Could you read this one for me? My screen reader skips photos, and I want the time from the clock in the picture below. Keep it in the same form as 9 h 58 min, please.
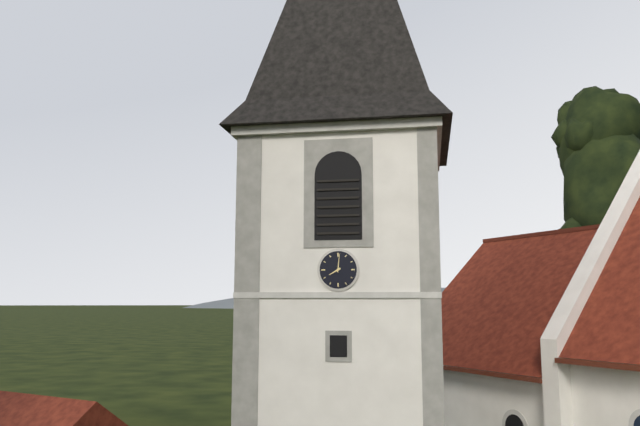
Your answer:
8 h 01 min
